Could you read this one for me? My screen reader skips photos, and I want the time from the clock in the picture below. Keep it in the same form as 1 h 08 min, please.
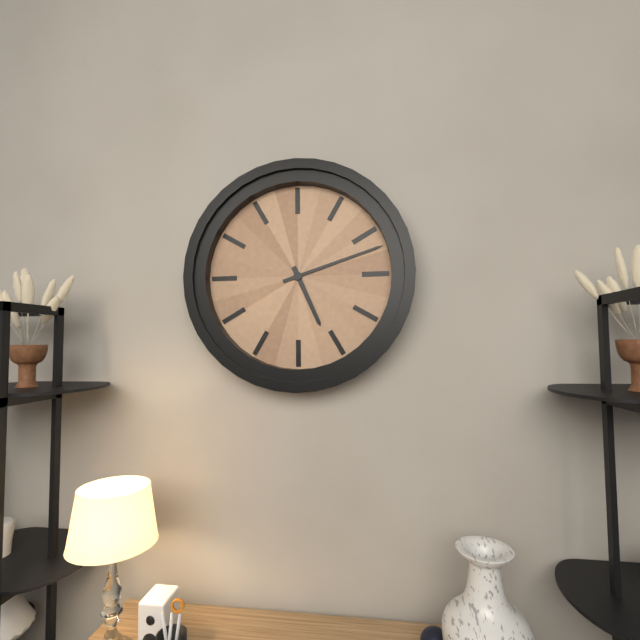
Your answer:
5 h 12 min
